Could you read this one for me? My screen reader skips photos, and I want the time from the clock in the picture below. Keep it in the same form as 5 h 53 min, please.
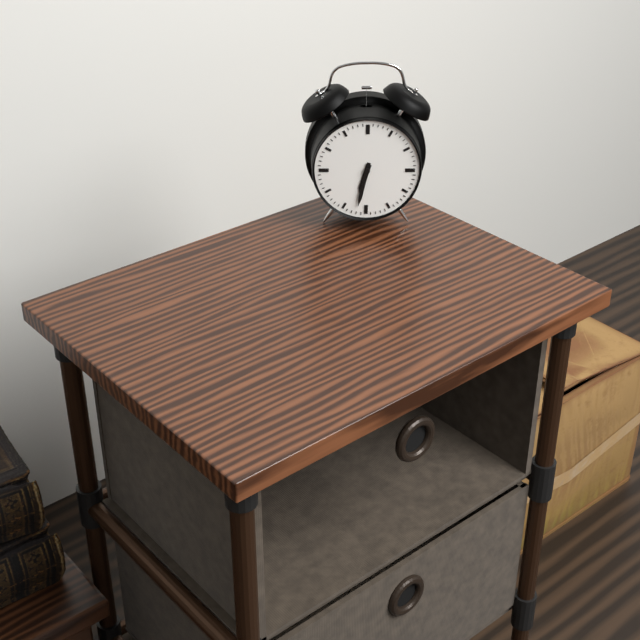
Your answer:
6 h 32 min
